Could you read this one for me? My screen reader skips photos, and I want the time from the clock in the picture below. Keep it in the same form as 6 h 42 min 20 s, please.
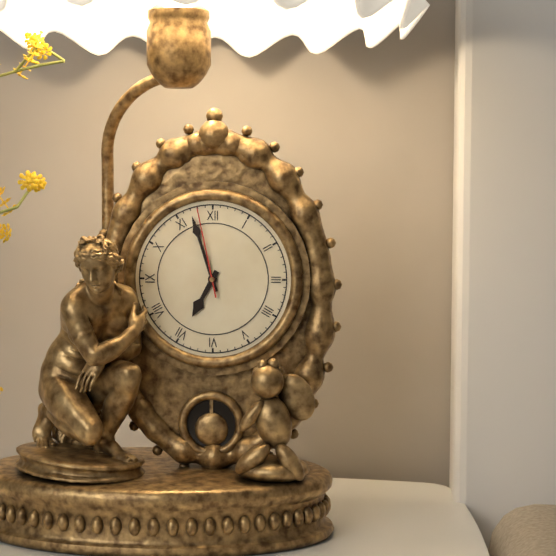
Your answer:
6 h 57 min 58 s
